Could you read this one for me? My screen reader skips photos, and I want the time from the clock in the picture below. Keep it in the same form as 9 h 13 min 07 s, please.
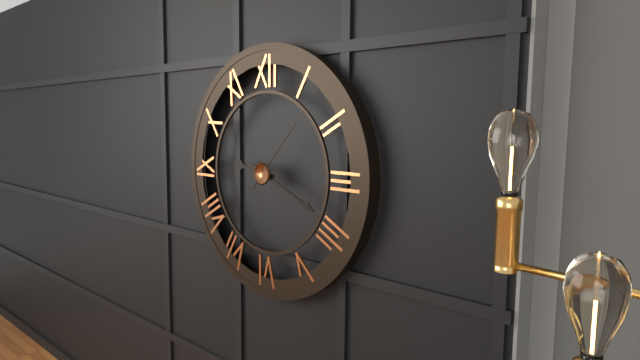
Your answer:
9 h 19 min 07 s
